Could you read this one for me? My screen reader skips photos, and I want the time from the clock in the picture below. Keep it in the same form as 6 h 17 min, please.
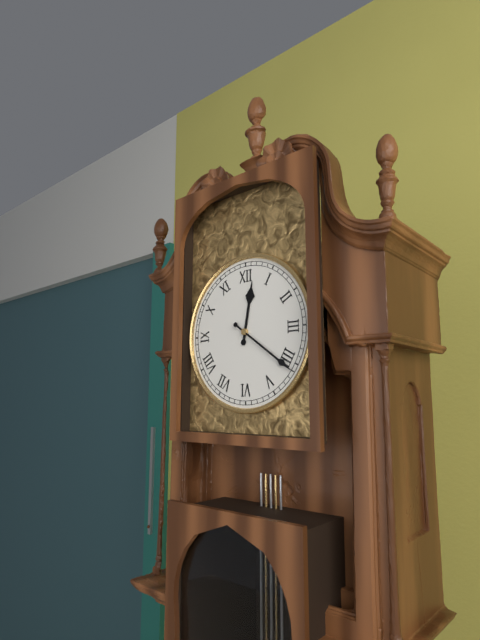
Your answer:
12 h 21 min
